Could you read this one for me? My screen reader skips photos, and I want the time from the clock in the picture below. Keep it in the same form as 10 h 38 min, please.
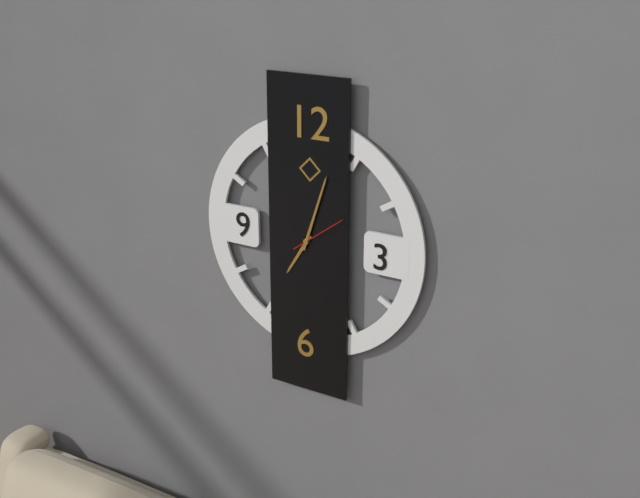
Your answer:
7 h 03 min
